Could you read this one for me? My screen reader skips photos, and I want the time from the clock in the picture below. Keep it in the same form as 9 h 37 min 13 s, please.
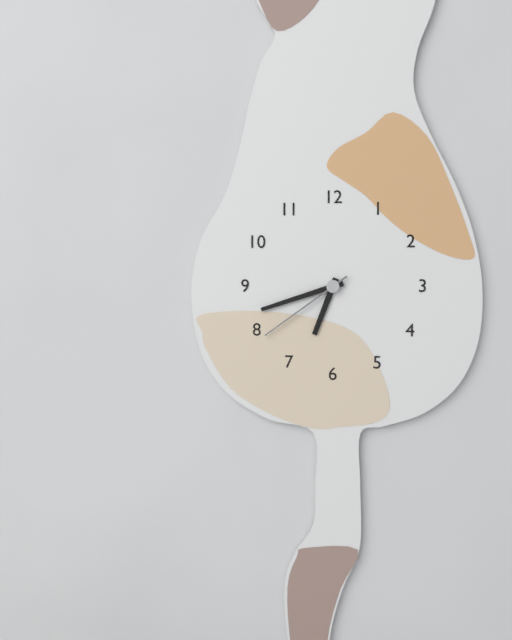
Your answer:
6 h 42 min 39 s
